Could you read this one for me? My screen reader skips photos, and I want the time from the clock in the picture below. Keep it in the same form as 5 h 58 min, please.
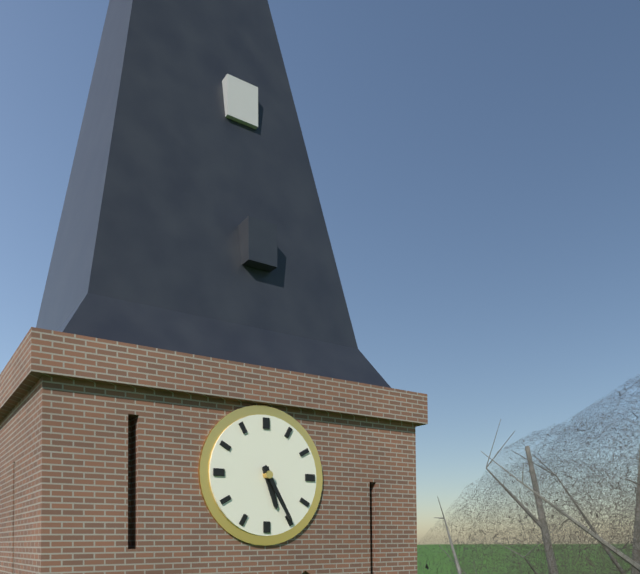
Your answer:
5 h 25 min
